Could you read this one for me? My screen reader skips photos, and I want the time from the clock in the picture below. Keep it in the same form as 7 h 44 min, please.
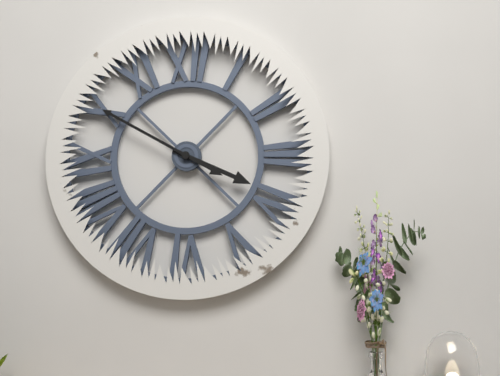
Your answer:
3 h 50 min
